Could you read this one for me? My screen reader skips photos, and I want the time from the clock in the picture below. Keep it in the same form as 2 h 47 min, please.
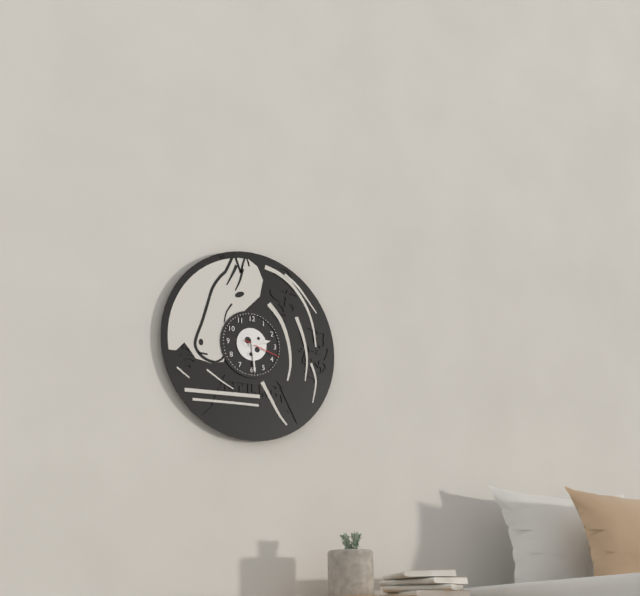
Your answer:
2 h 29 min
